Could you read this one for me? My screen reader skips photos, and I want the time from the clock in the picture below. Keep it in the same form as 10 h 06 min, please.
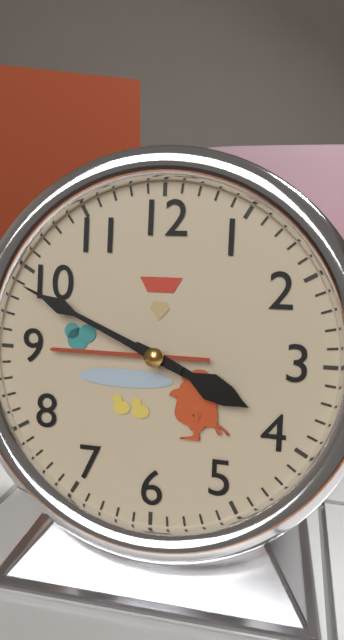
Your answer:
3 h 49 min
